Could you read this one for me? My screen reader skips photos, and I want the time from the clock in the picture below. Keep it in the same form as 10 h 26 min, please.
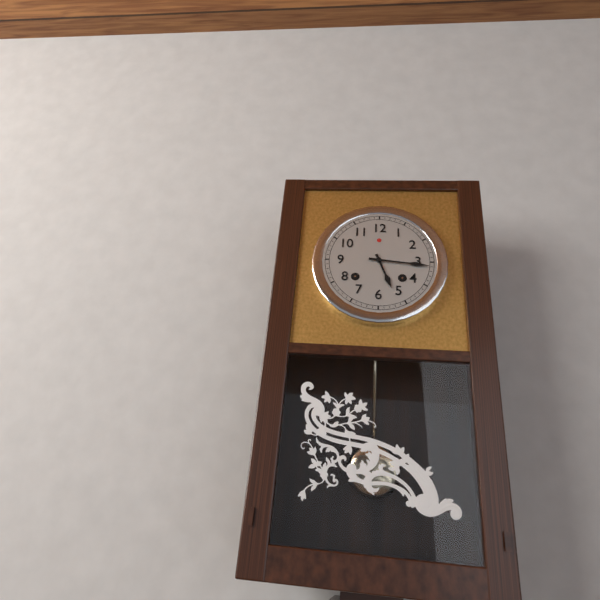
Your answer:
5 h 16 min
